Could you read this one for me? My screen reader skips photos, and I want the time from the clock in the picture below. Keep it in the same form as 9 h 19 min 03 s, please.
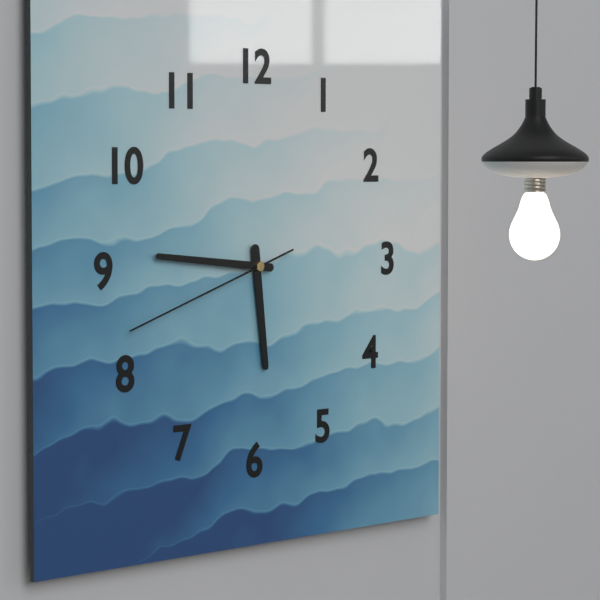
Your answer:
5 h 46 min 42 s
